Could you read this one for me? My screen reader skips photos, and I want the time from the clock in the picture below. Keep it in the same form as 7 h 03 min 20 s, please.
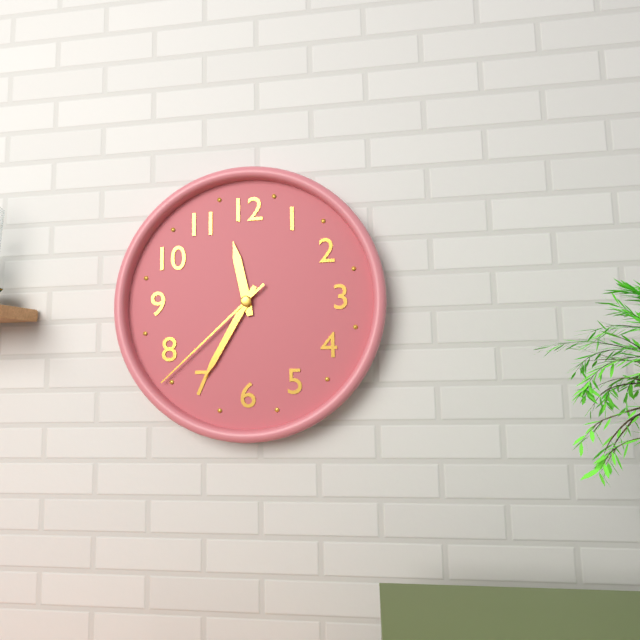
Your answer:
11 h 35 min 38 s
